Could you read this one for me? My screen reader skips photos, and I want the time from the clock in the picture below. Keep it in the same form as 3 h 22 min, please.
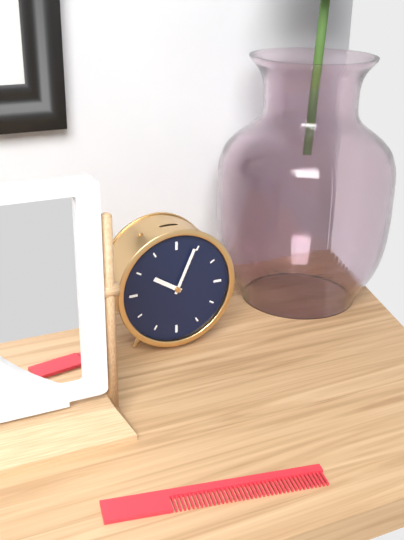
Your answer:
10 h 04 min
